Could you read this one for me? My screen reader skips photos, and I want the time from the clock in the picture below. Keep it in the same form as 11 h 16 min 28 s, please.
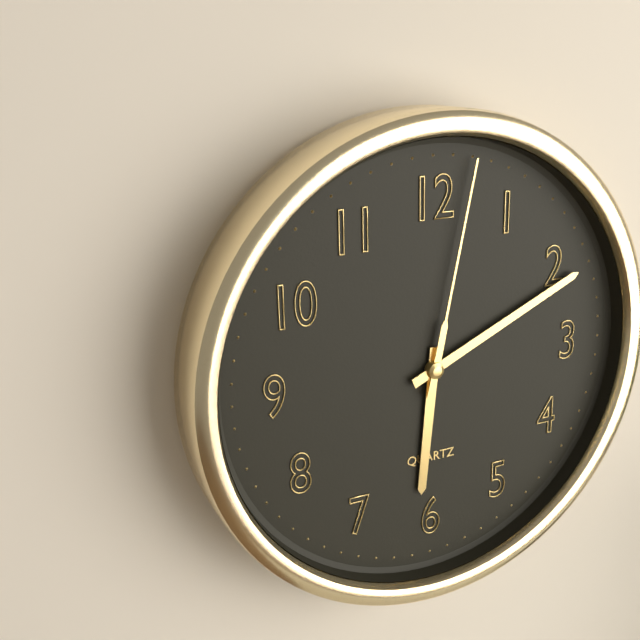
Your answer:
6 h 11 min 02 s
